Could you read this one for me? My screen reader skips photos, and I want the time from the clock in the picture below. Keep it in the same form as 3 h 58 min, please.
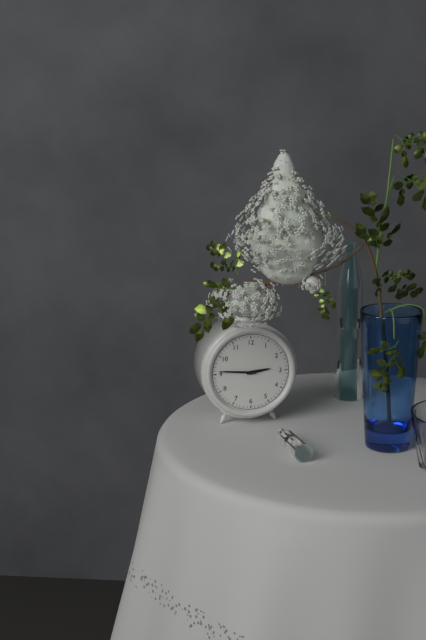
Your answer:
2 h 46 min
